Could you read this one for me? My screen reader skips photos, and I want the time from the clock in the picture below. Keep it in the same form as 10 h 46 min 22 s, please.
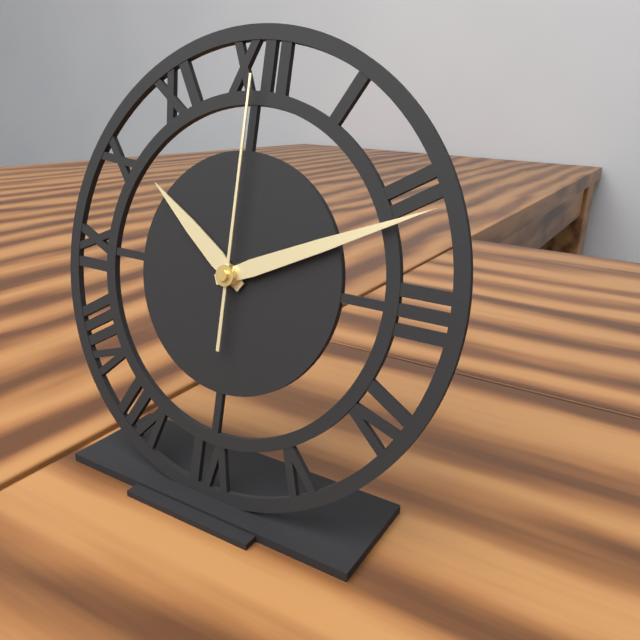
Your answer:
10 h 11 min 00 s
